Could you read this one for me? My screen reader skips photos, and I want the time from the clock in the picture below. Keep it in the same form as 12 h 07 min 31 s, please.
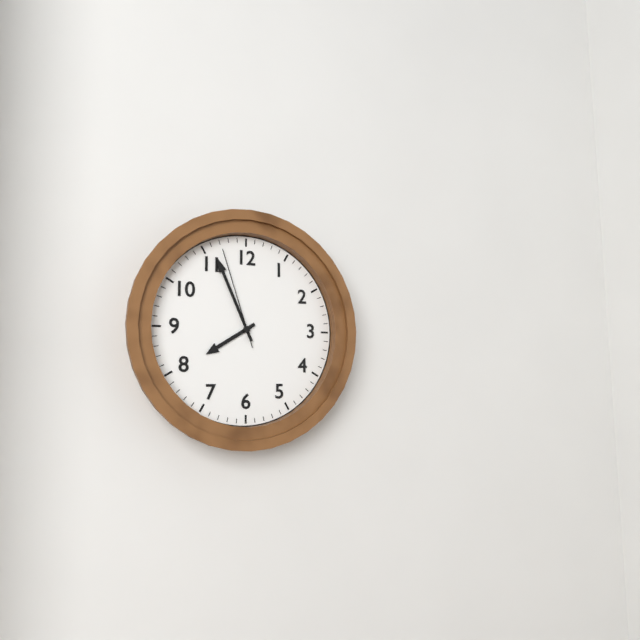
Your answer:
7 h 56 min 57 s
